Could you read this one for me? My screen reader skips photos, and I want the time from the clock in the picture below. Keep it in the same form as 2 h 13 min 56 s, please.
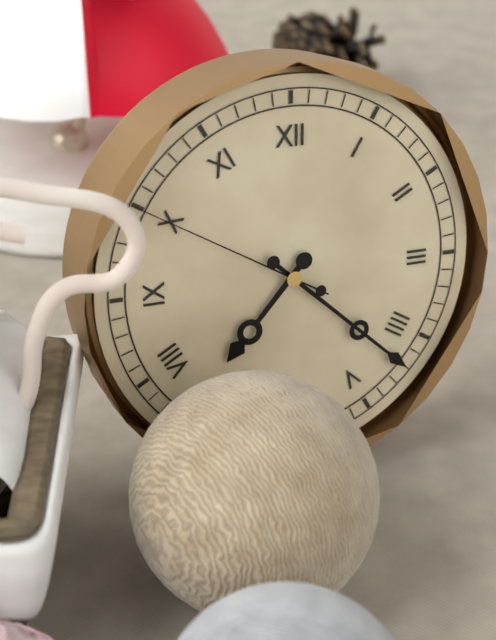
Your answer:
7 h 22 min 50 s
